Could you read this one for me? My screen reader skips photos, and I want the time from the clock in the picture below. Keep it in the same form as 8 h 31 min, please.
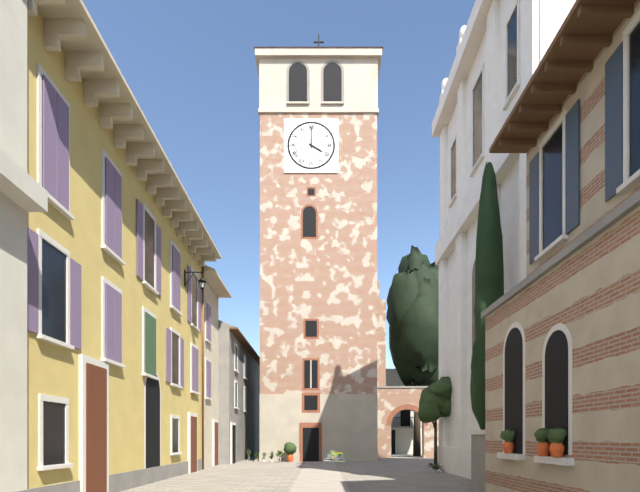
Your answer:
4 h 00 min
